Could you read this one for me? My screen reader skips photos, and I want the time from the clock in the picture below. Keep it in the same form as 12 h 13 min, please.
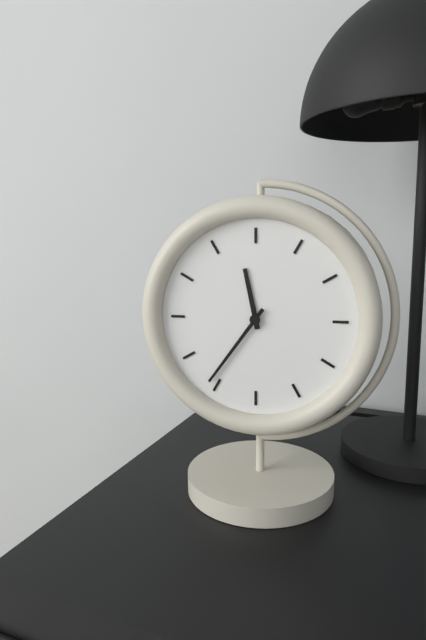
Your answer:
11 h 36 min
